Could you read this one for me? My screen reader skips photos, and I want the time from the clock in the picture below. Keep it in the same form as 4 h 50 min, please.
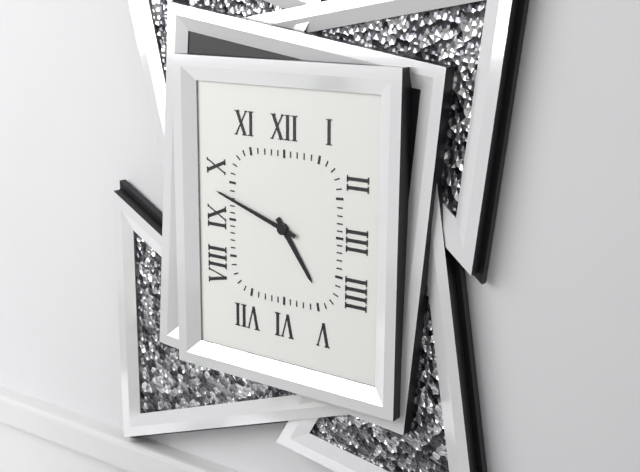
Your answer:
4 h 48 min
